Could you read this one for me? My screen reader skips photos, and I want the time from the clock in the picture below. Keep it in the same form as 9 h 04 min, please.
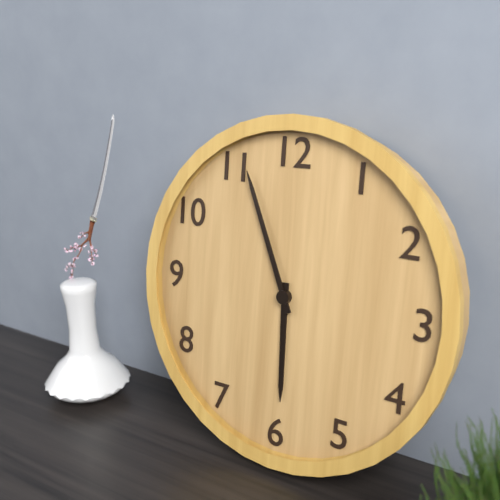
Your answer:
5 h 56 min
